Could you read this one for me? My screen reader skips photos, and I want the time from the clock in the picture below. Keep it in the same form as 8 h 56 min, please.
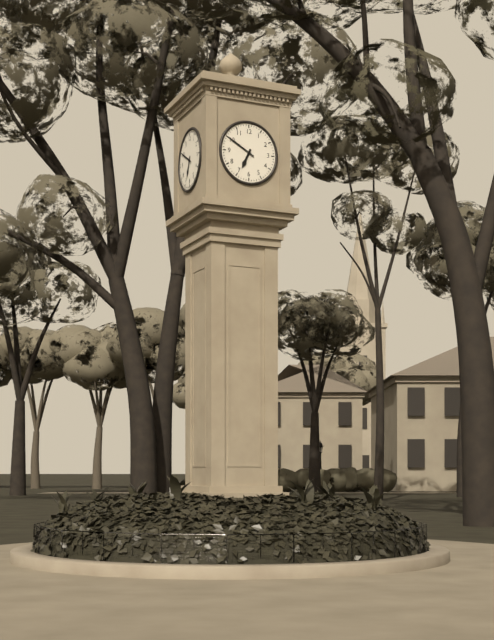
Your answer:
6 h 50 min
